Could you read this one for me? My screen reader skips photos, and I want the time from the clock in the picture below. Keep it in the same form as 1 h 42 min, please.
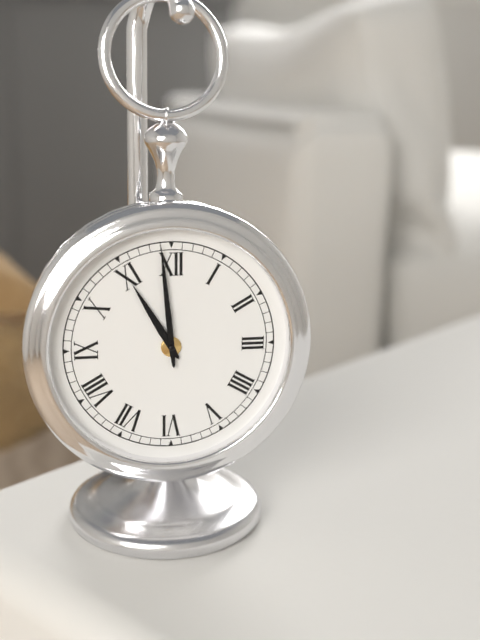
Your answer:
10 h 59 min
